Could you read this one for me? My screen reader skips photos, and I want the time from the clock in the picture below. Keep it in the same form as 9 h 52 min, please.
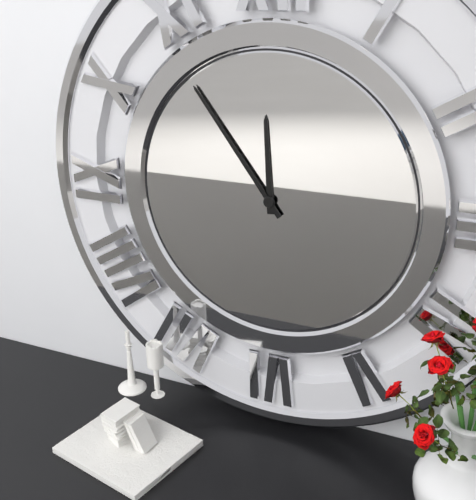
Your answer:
11 h 54 min
